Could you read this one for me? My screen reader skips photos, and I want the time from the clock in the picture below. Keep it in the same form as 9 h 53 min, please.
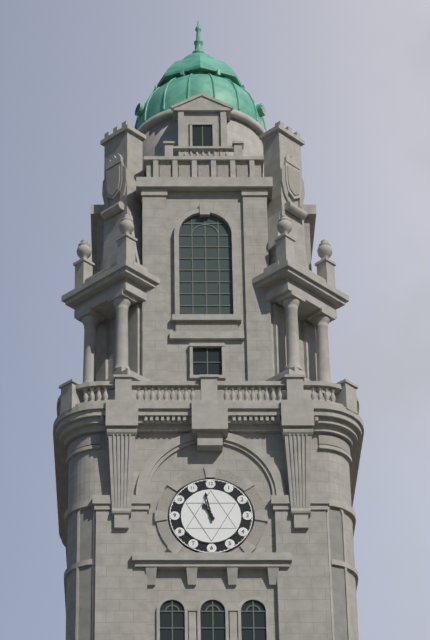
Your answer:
10 h 58 min
